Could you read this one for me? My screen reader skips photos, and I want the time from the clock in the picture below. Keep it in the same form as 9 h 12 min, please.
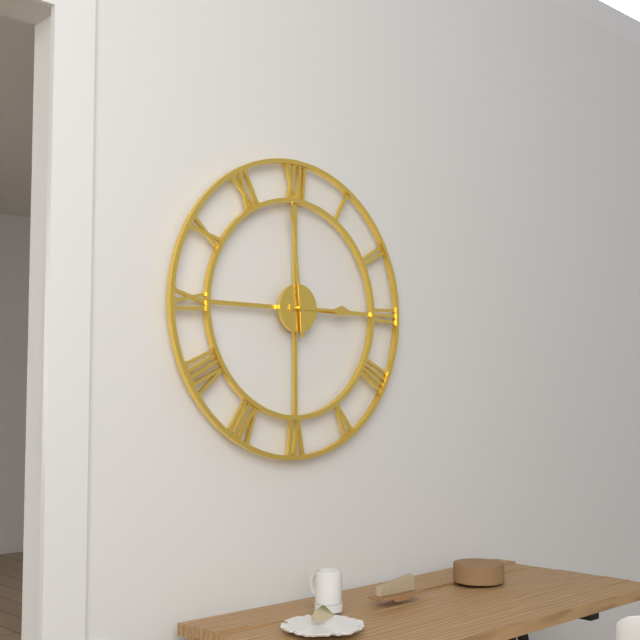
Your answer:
2 h 59 min
